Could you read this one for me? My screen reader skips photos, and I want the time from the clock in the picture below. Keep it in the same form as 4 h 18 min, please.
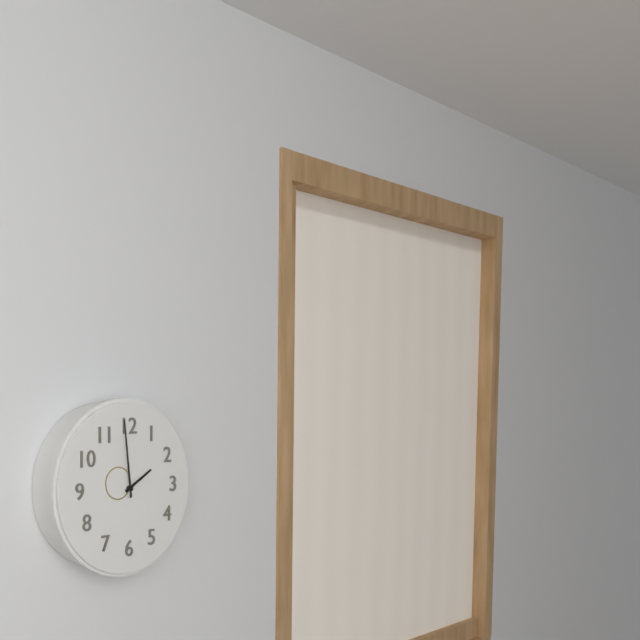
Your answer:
1 h 59 min
